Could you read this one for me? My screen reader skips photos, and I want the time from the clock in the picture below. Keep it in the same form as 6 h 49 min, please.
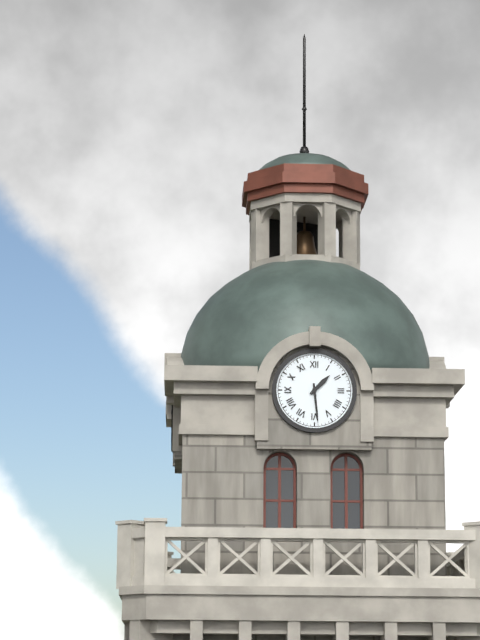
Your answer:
1 h 29 min
